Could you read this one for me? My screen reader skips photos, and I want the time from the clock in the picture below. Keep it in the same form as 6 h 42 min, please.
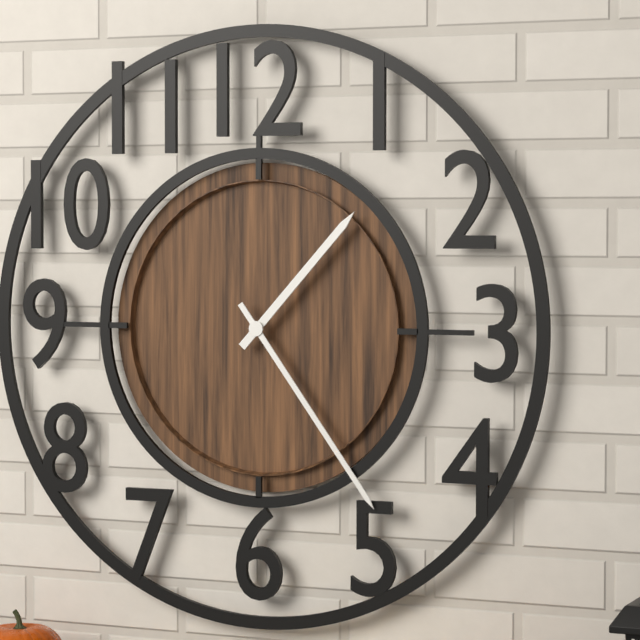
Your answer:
1 h 24 min
